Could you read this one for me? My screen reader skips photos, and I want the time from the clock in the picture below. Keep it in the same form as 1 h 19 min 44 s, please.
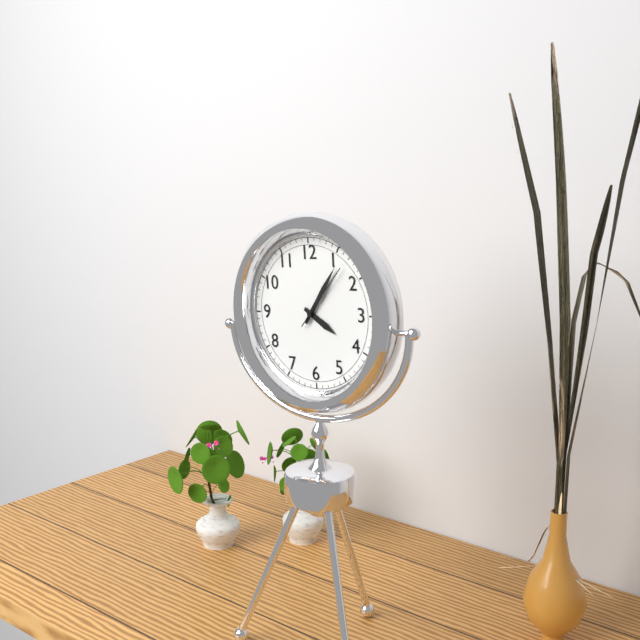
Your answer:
4 h 06 min 07 s
